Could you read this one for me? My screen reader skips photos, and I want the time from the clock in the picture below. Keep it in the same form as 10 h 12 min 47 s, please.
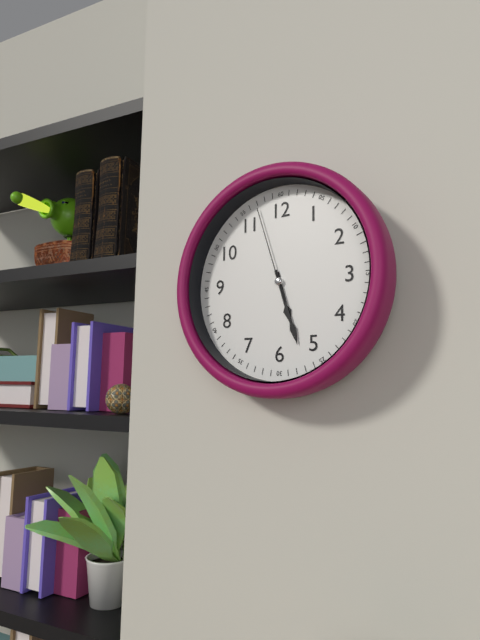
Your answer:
5 h 27 min 57 s
